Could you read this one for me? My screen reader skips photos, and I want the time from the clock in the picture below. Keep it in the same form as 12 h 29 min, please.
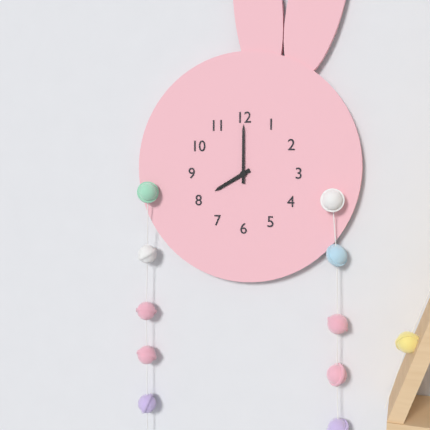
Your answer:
8 h 00 min
